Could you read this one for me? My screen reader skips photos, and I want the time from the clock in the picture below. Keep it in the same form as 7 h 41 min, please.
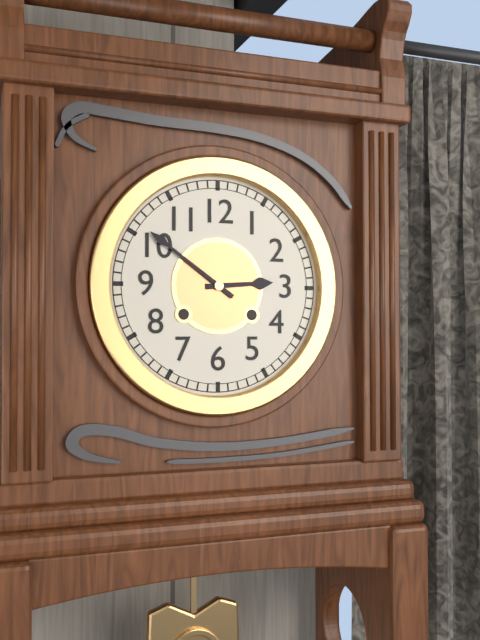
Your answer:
2 h 51 min
